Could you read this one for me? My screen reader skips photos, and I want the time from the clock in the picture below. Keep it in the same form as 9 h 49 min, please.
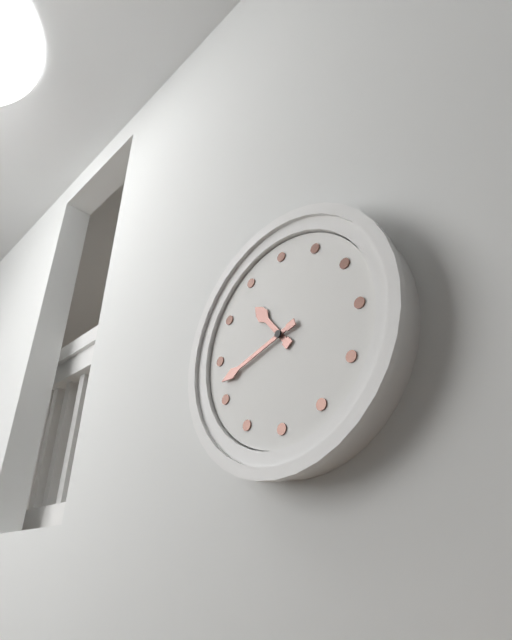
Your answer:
10 h 42 min
